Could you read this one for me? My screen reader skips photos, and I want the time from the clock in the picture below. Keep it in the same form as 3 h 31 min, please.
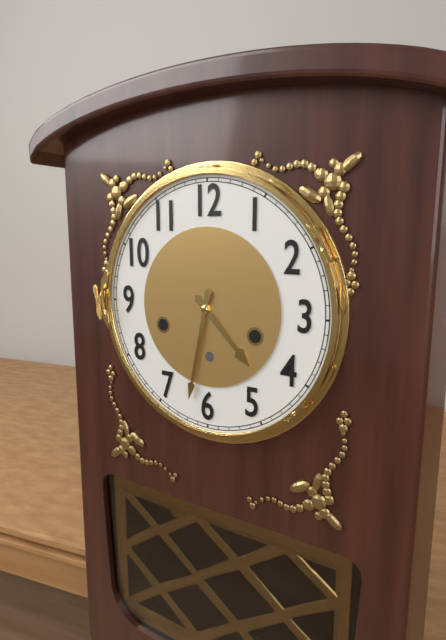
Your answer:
4 h 32 min
